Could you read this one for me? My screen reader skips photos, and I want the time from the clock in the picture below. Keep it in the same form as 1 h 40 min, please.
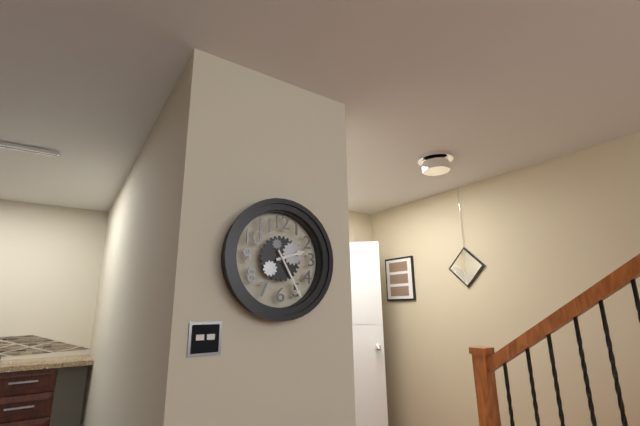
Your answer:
2 h 25 min
